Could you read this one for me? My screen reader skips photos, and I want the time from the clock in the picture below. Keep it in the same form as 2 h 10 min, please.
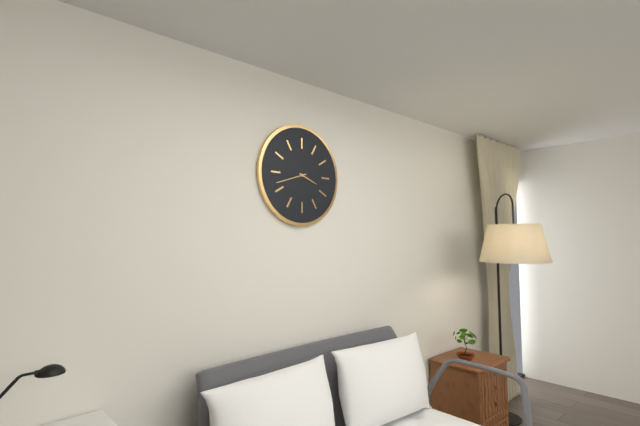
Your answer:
3 h 42 min
